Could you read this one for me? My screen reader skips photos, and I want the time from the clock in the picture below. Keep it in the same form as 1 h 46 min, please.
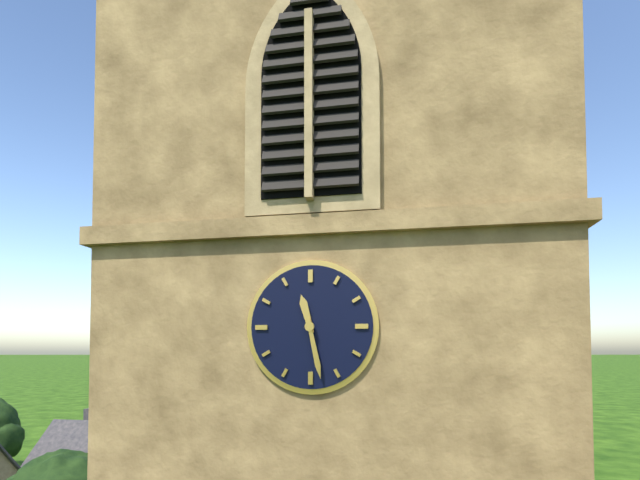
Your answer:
11 h 28 min
